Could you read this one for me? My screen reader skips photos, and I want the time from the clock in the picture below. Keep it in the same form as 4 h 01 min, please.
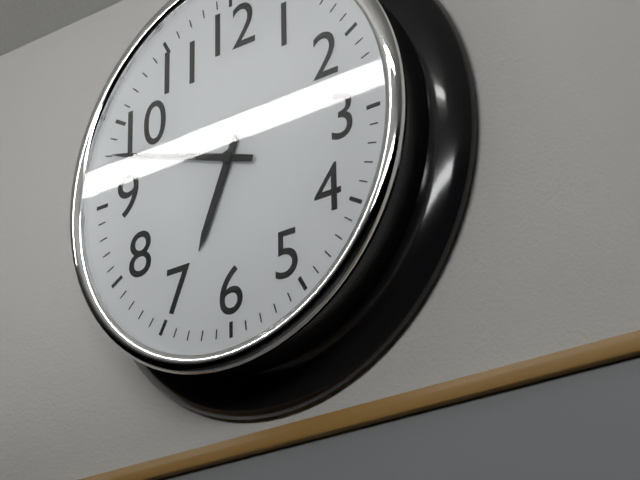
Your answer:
6 h 48 min
